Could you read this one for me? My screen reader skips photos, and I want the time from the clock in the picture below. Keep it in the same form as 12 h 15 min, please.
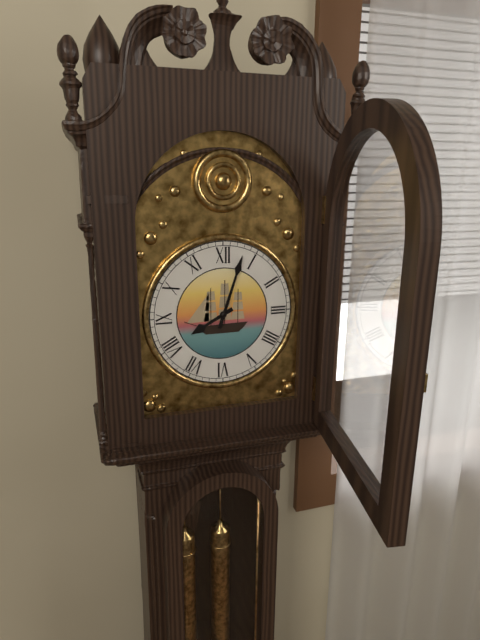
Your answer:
8 h 03 min
